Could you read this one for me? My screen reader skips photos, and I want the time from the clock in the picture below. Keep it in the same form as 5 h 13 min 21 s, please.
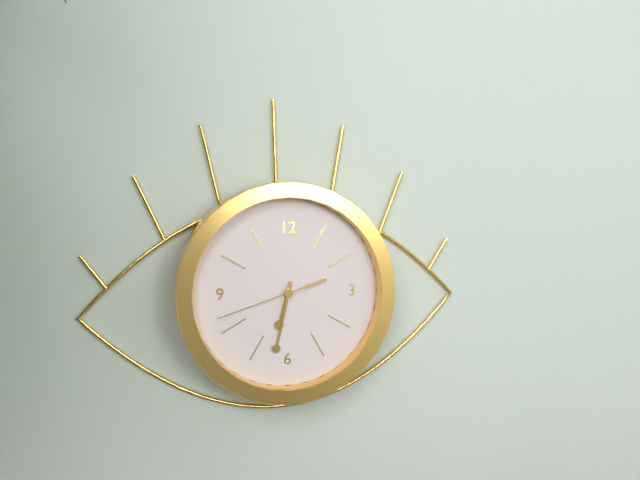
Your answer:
6 h 32 min 42 s
